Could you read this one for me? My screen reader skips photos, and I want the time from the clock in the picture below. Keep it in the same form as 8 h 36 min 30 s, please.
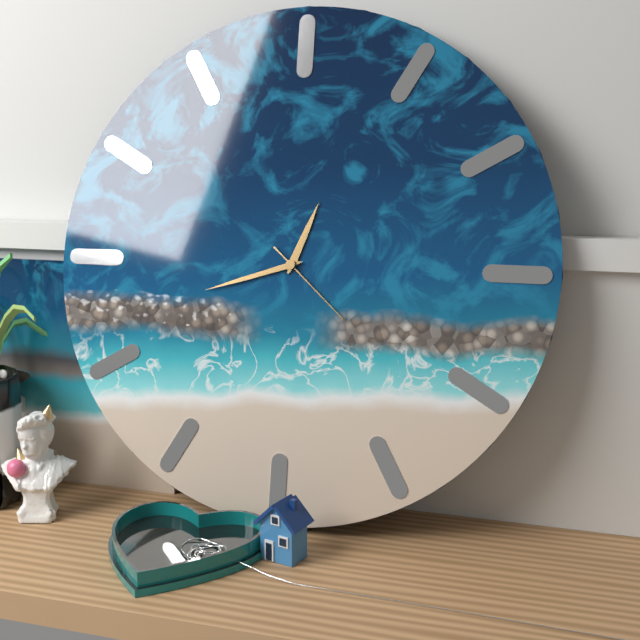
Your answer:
12 h 42 min 22 s
